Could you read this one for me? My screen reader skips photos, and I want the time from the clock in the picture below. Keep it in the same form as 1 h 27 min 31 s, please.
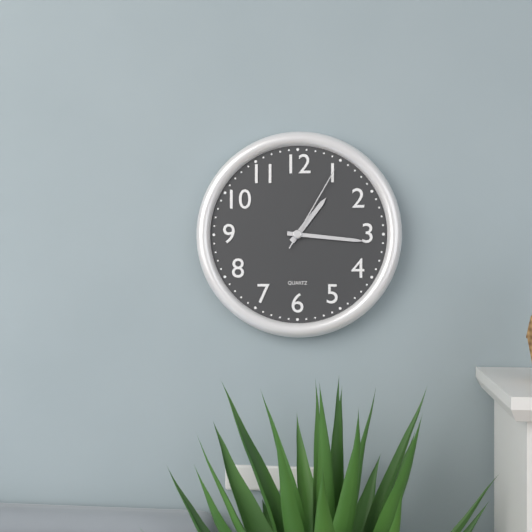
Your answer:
1 h 16 min 05 s
